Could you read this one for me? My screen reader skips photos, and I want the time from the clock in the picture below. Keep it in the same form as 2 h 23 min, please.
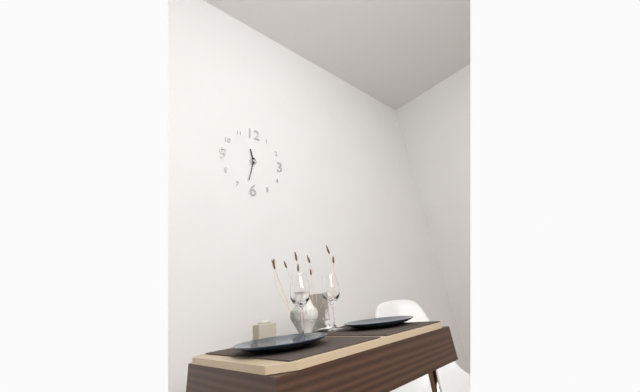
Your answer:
11 h 32 min
